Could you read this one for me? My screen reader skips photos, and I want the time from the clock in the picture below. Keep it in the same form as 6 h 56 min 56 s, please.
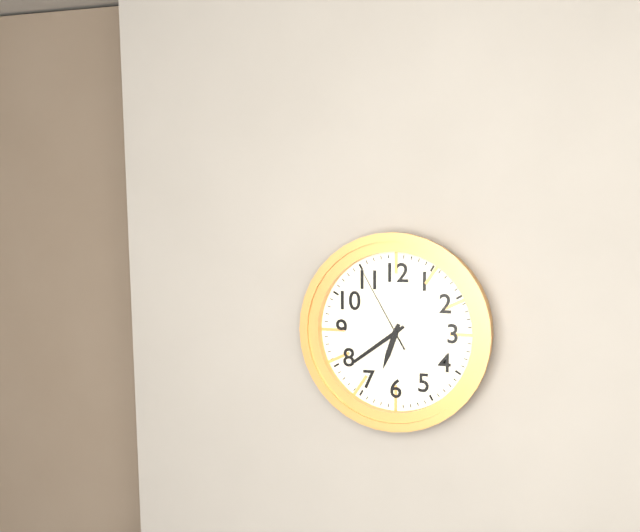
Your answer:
6 h 39 min 55 s
